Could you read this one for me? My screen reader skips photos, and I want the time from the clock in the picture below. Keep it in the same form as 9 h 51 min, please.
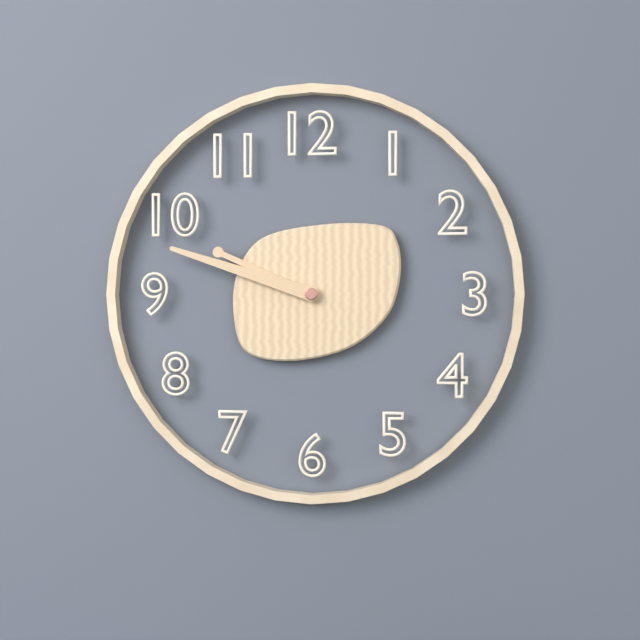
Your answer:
9 h 48 min
